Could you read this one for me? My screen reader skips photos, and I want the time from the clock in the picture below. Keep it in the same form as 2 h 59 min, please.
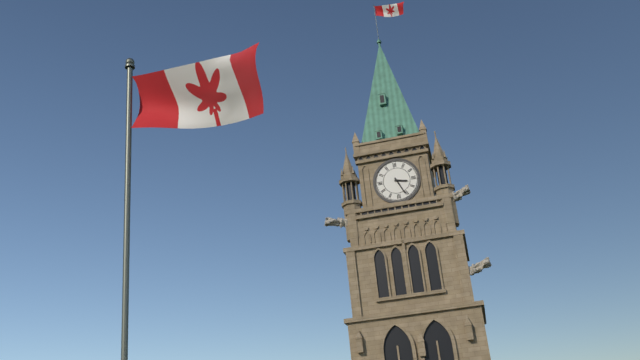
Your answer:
3 h 26 min
